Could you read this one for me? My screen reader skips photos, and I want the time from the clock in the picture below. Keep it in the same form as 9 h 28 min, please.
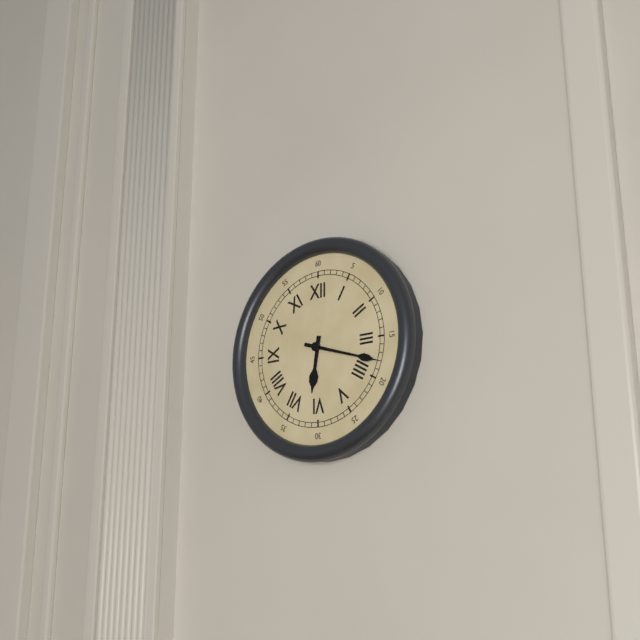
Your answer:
6 h 18 min
